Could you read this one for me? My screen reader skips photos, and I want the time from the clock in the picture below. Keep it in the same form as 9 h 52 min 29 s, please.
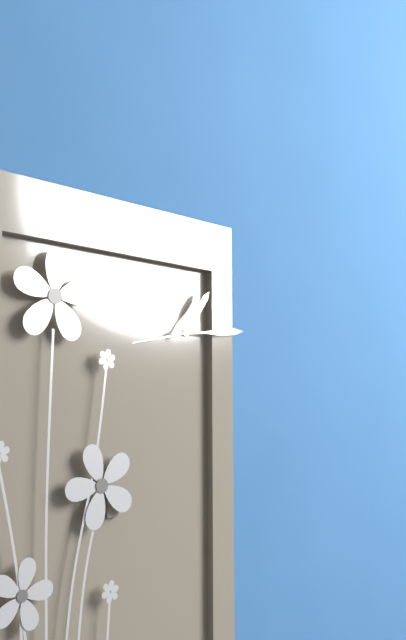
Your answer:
1 h 14 min 43 s
